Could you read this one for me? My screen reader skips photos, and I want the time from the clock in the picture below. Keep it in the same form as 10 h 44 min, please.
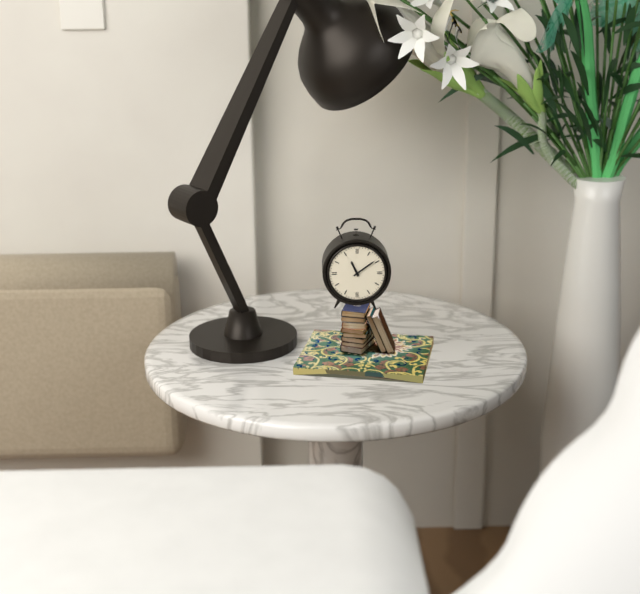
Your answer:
11 h 09 min
